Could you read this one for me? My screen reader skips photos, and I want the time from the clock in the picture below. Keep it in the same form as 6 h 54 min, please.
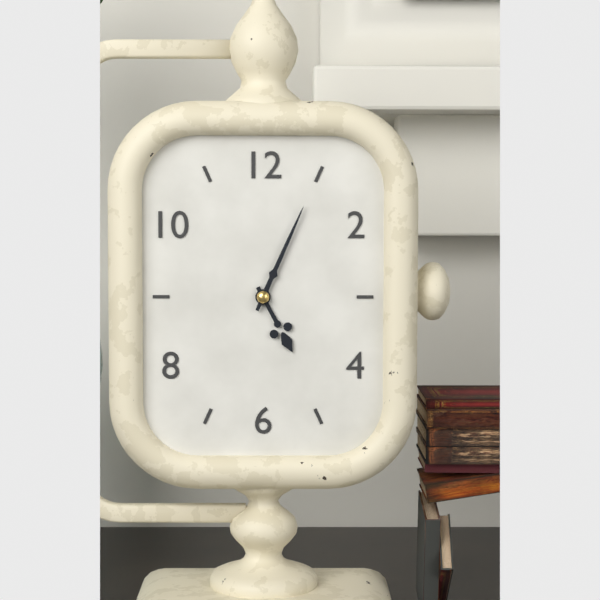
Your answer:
5 h 04 min
